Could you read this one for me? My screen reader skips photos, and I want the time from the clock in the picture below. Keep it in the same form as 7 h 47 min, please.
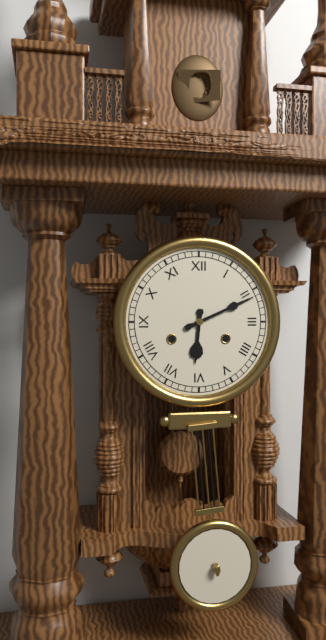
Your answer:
6 h 11 min
